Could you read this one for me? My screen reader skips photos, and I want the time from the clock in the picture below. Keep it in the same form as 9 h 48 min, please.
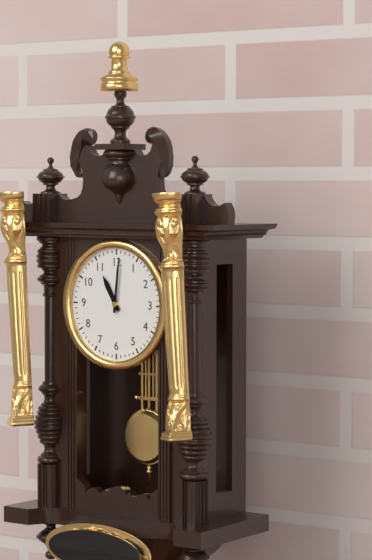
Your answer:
11 h 01 min
